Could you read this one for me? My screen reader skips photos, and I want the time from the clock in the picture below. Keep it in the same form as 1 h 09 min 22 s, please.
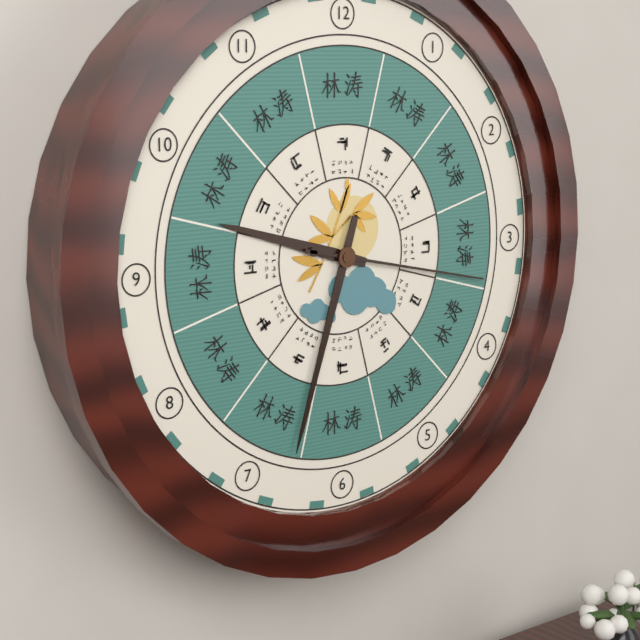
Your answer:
9 h 33 min 17 s
